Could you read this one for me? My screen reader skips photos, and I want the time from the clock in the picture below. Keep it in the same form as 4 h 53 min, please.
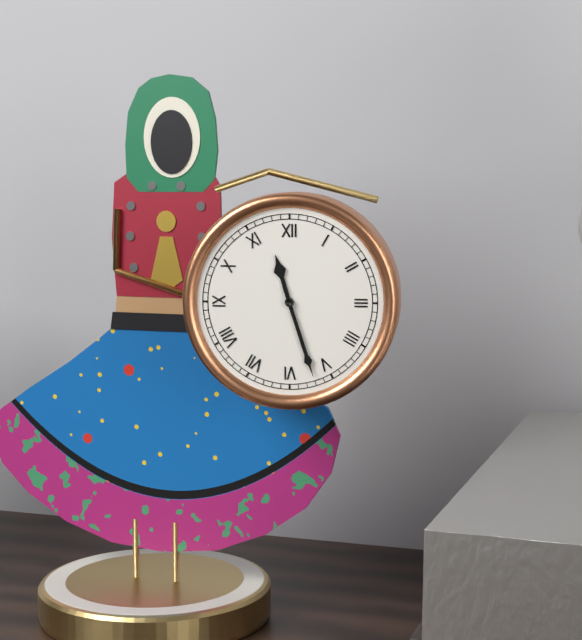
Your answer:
11 h 27 min
